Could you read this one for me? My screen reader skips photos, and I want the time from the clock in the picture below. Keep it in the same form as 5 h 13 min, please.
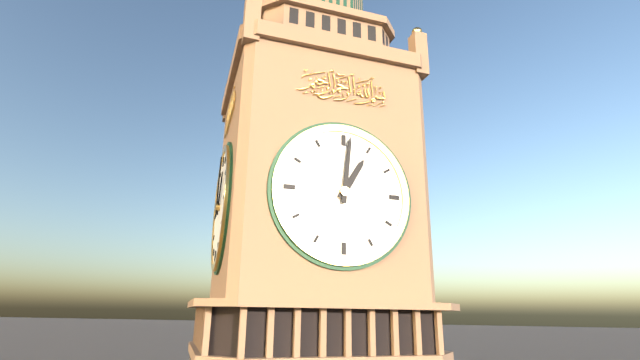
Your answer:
1 h 01 min
